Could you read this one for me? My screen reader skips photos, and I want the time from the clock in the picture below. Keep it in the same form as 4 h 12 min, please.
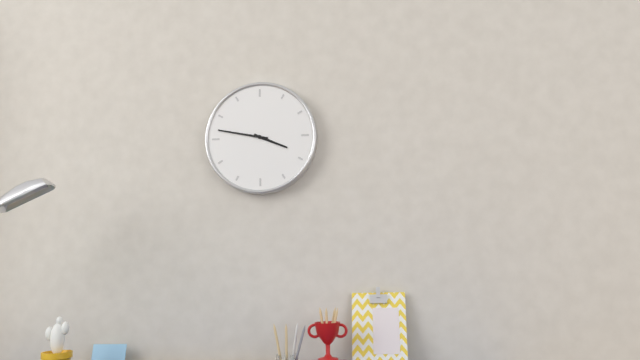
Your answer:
3 h 47 min
